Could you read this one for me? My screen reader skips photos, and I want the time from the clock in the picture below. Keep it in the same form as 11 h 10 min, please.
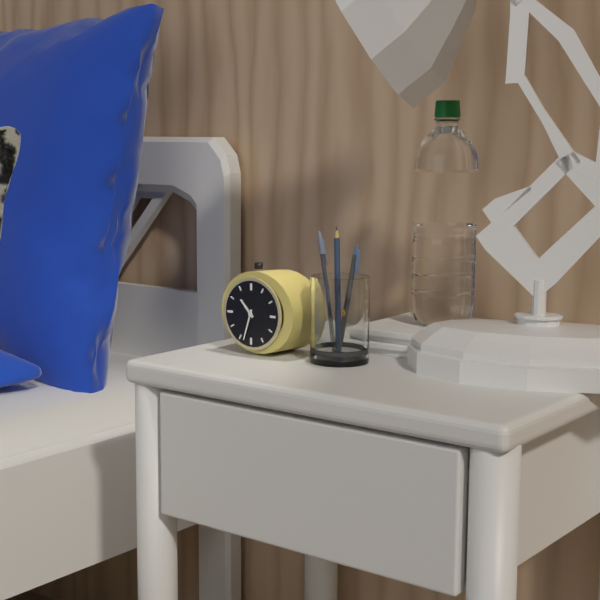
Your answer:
10 h 33 min
